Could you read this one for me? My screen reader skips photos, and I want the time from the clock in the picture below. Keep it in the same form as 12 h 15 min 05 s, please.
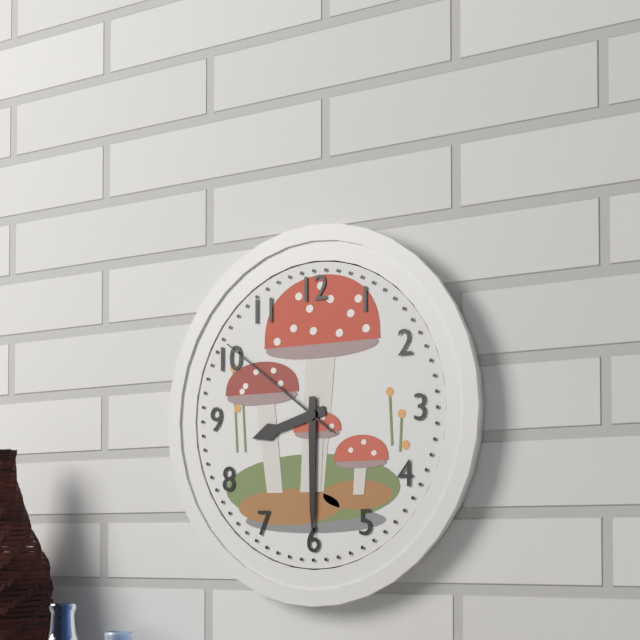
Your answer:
8 h 30 min 51 s
